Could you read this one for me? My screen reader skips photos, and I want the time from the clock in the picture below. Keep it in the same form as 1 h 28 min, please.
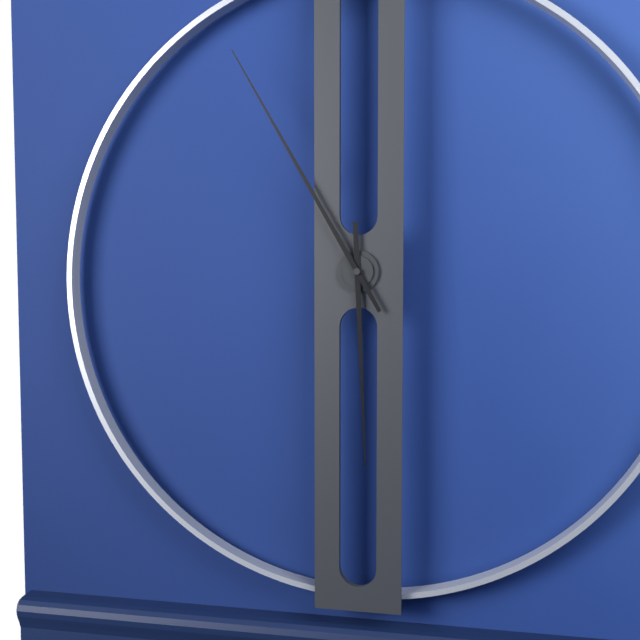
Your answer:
5 h 55 min
